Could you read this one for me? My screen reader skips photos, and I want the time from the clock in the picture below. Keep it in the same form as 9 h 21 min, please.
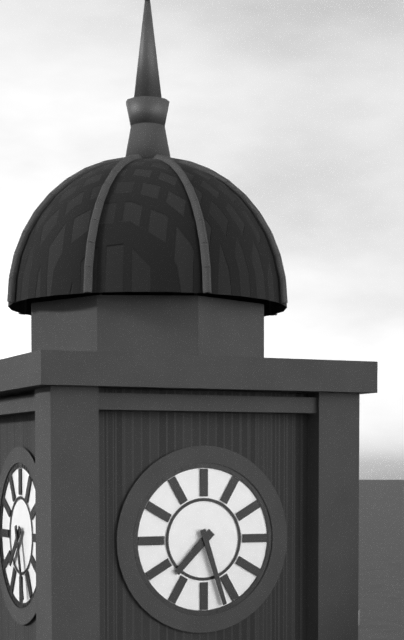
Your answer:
7 h 27 min
